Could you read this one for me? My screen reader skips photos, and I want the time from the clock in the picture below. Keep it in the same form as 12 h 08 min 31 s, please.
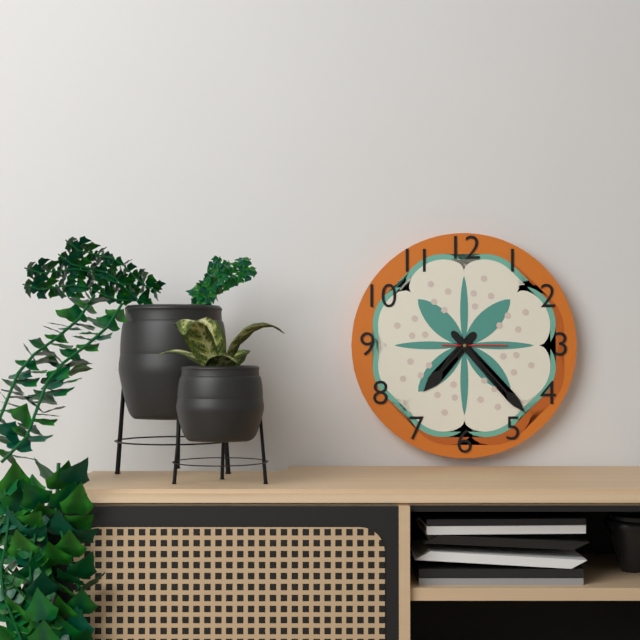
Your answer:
7 h 23 min 15 s
